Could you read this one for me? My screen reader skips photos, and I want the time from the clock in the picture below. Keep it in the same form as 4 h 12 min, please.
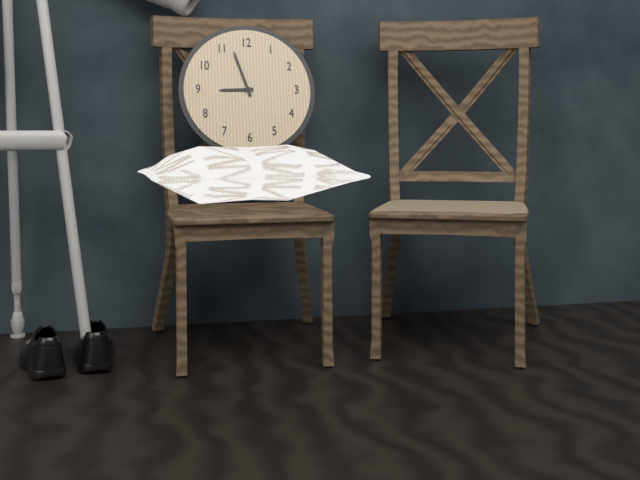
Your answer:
8 h 57 min
